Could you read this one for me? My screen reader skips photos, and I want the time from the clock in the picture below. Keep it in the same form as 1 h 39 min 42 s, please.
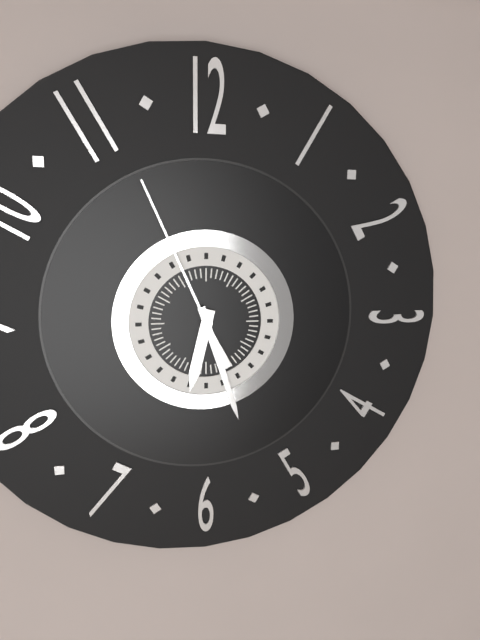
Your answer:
6 h 27 min 56 s
